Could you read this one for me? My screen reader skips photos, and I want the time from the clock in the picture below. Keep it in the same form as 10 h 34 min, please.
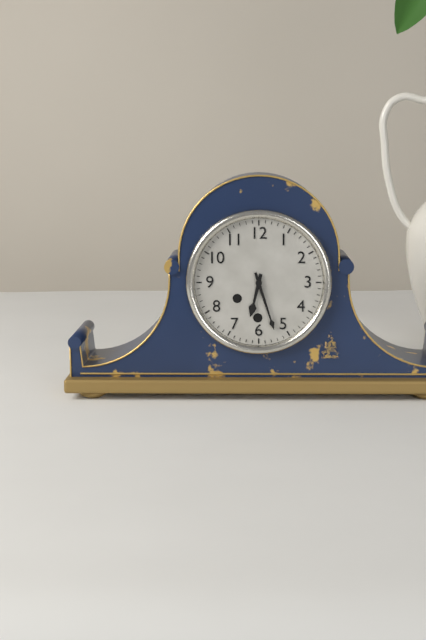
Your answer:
6 h 27 min
